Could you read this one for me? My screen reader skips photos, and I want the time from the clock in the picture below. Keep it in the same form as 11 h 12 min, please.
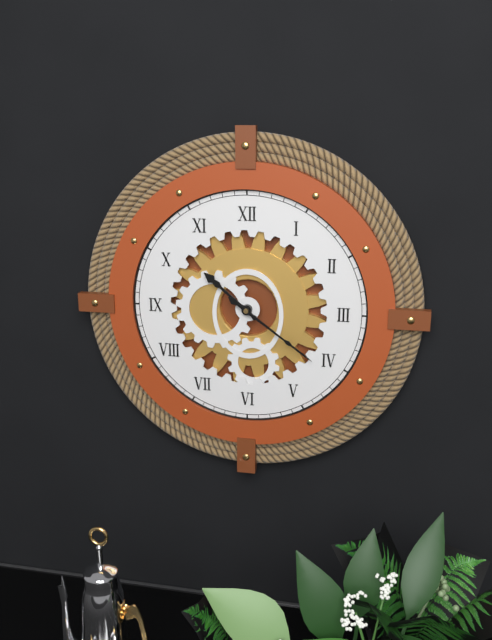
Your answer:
10 h 21 min
